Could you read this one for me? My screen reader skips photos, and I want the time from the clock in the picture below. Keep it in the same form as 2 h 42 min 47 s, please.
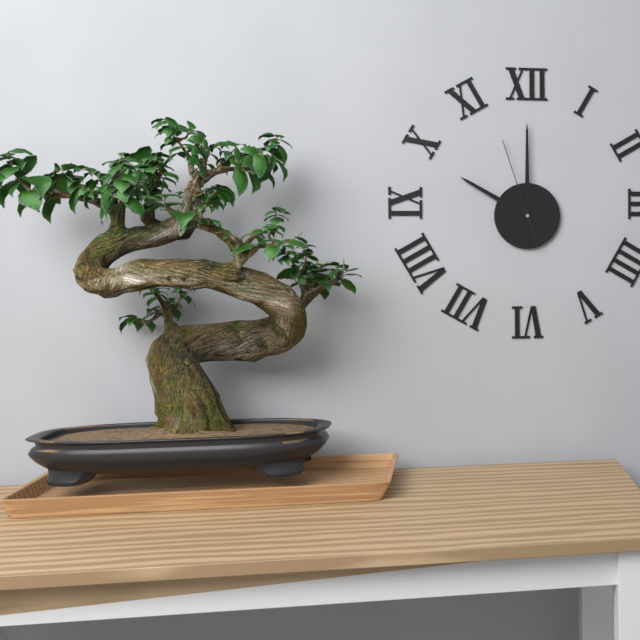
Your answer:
10 h 00 min 57 s
